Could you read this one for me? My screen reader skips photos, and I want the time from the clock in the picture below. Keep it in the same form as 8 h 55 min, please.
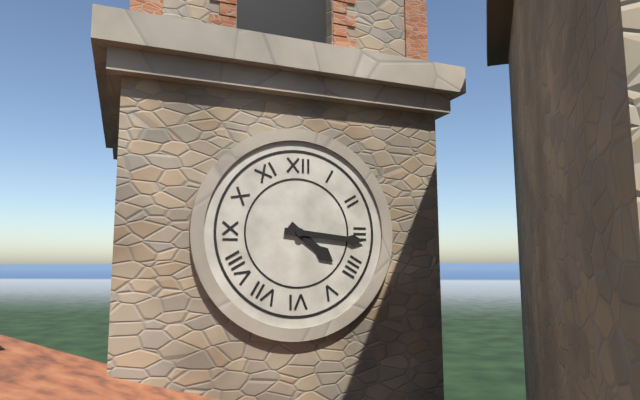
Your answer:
4 h 16 min
